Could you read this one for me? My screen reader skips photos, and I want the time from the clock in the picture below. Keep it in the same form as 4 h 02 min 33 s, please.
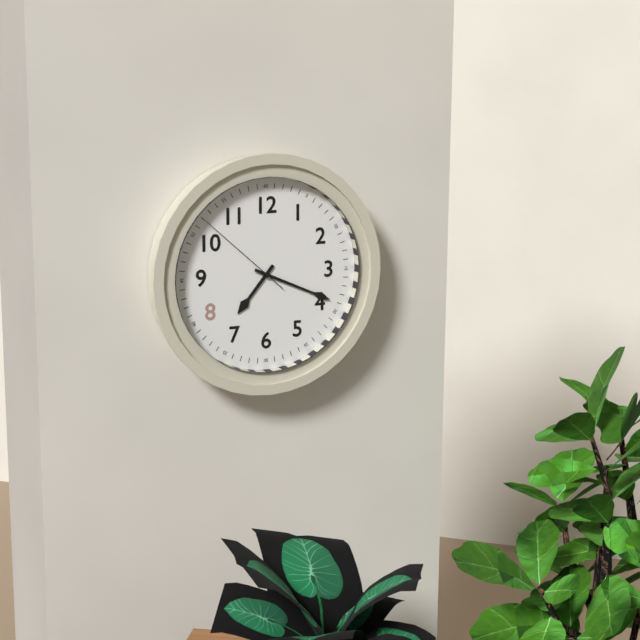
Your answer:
7 h 19 min 52 s
